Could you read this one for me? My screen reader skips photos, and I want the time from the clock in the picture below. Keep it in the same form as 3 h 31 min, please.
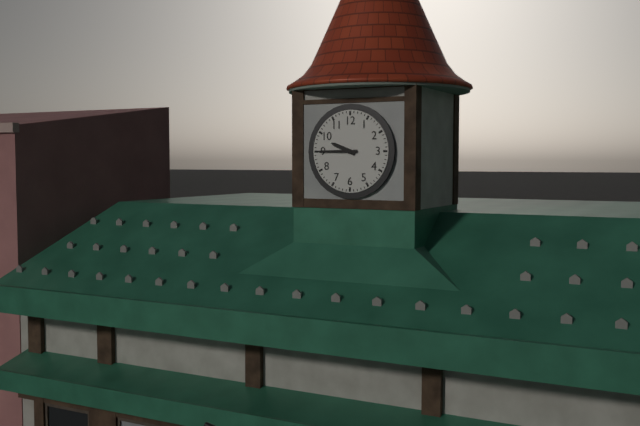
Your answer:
9 h 45 min
